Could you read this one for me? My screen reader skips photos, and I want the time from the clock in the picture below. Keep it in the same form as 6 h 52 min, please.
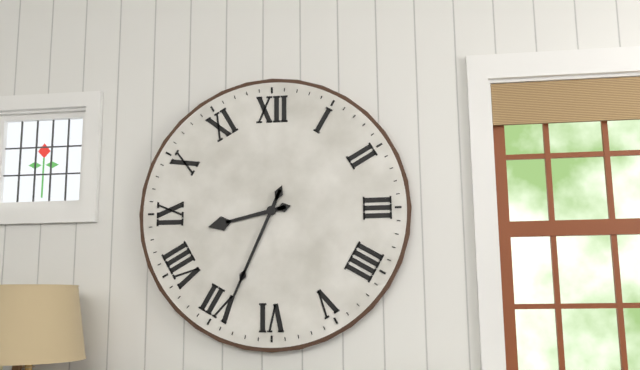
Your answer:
8 h 34 min
